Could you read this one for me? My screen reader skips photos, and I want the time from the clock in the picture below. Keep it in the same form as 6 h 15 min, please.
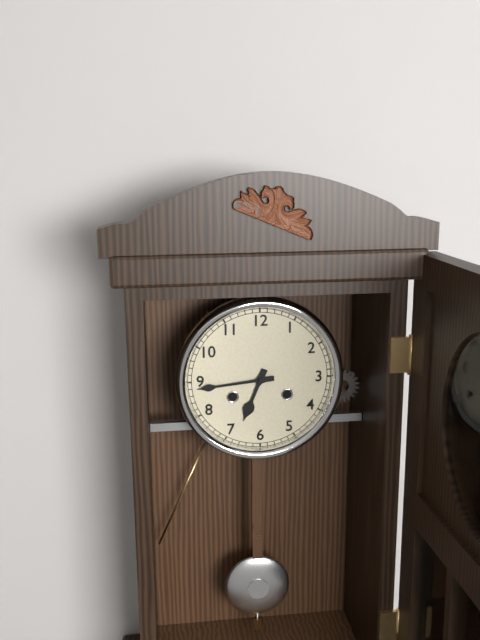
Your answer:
6 h 44 min
